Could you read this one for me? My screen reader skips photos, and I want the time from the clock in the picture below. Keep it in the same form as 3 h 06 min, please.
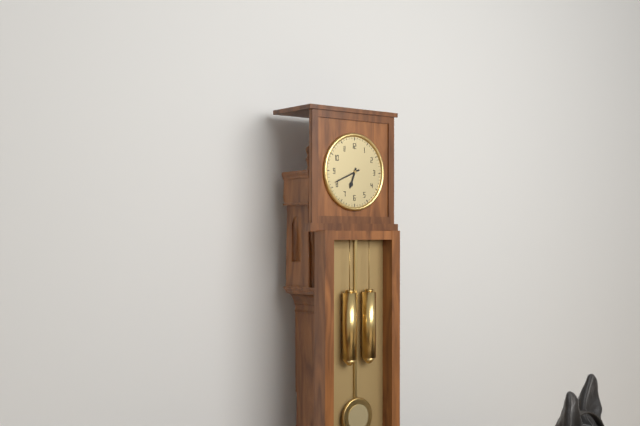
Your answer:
6 h 41 min
